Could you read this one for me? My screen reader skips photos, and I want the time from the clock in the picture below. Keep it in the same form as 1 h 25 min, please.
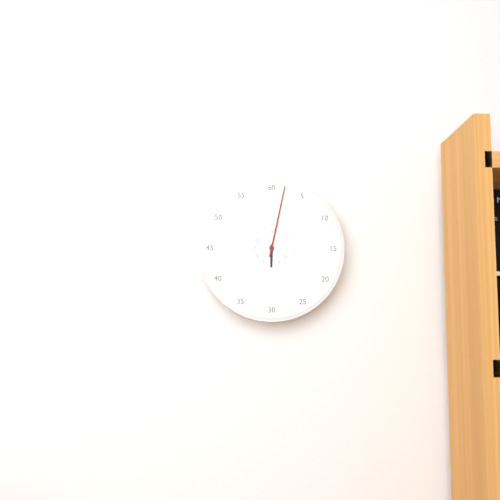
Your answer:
6 h 02 min
